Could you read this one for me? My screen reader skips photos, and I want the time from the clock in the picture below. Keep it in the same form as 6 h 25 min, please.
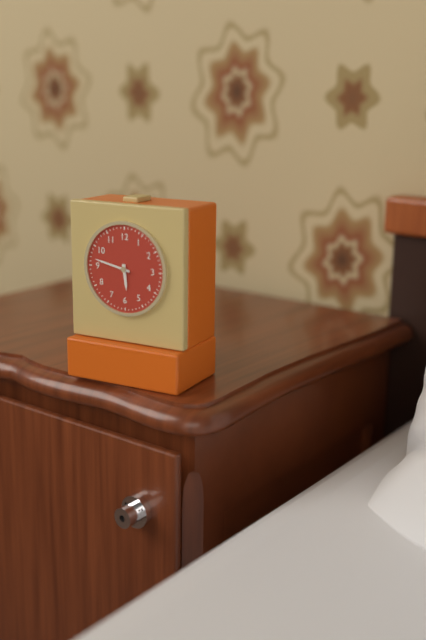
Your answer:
5 h 47 min
